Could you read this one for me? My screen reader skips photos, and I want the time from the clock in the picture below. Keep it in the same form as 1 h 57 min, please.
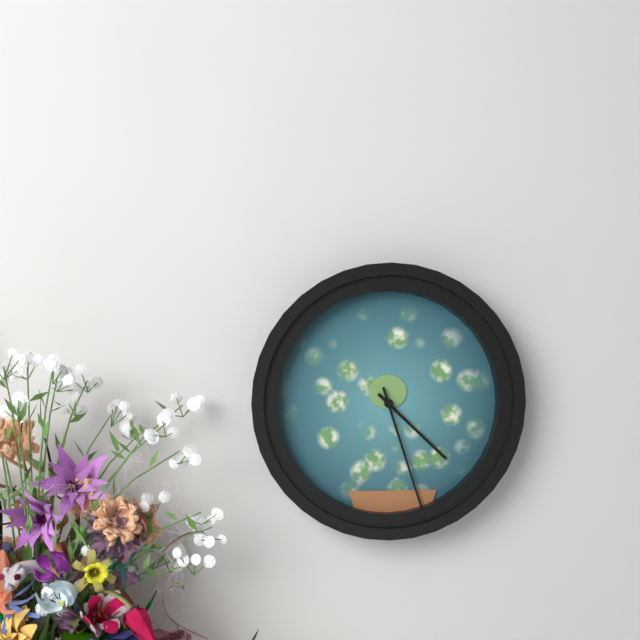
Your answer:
4 h 27 min
